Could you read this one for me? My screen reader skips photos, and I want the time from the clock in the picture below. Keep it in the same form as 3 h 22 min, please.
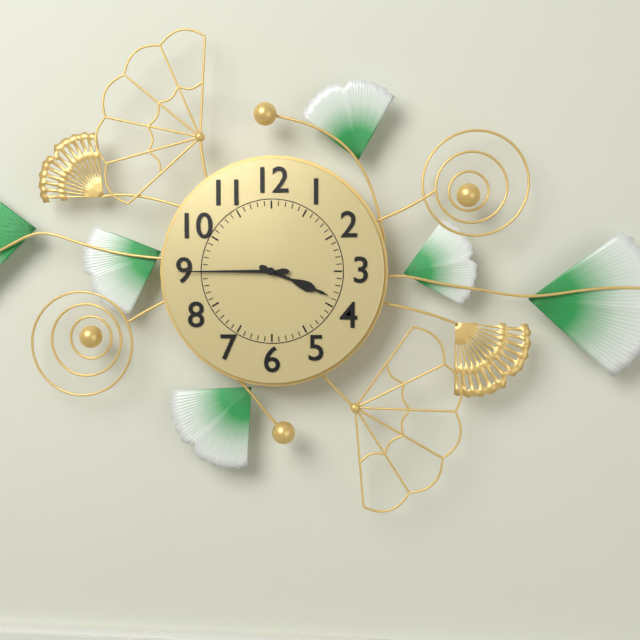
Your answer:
3 h 45 min
